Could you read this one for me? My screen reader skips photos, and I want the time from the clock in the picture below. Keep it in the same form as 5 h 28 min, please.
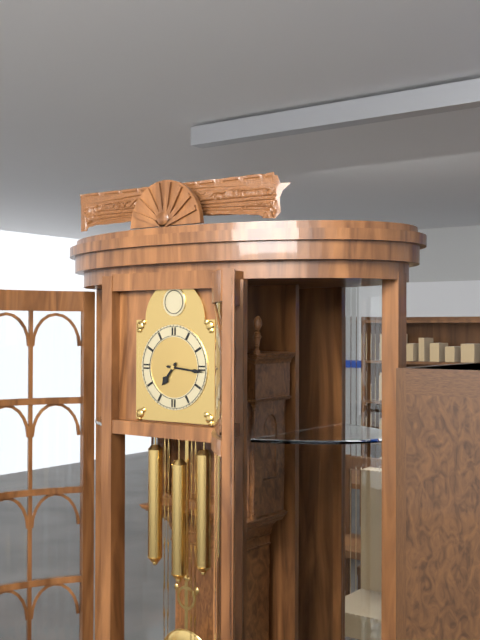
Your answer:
7 h 16 min
